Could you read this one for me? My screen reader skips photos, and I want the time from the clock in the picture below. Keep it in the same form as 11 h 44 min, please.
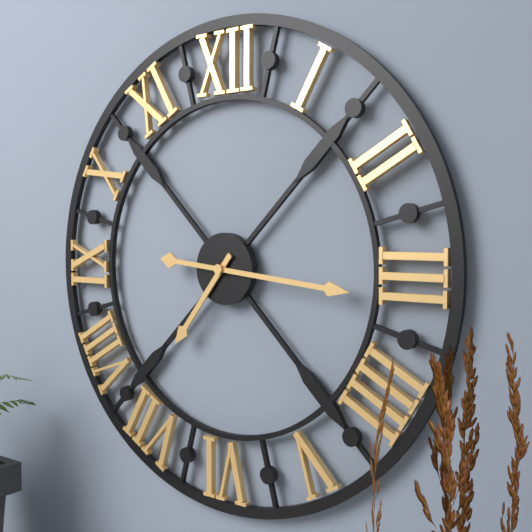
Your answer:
7 h 16 min
